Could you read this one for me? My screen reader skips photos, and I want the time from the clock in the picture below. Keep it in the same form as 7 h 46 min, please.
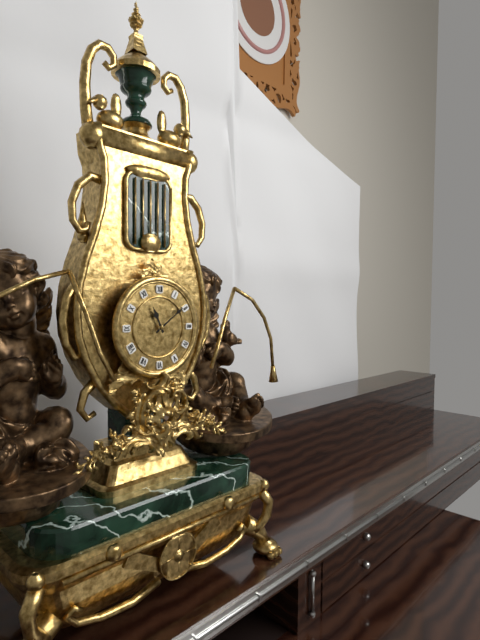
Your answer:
11 h 09 min
